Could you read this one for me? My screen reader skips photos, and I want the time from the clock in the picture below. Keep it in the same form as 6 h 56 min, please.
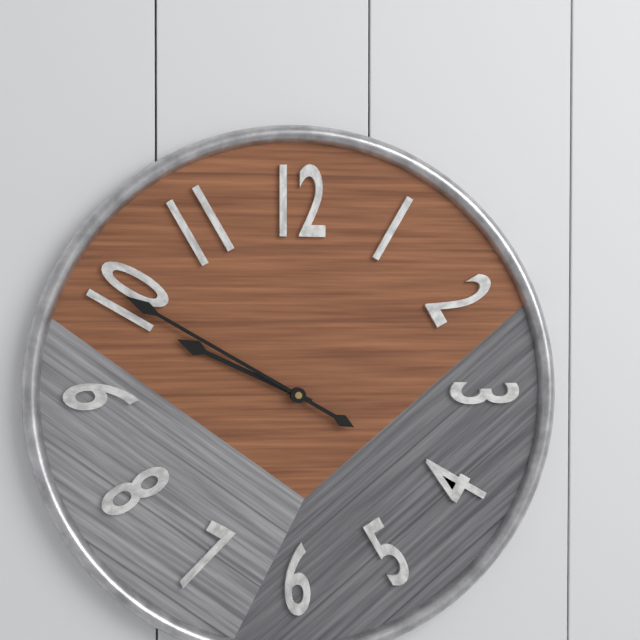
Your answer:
9 h 50 min
